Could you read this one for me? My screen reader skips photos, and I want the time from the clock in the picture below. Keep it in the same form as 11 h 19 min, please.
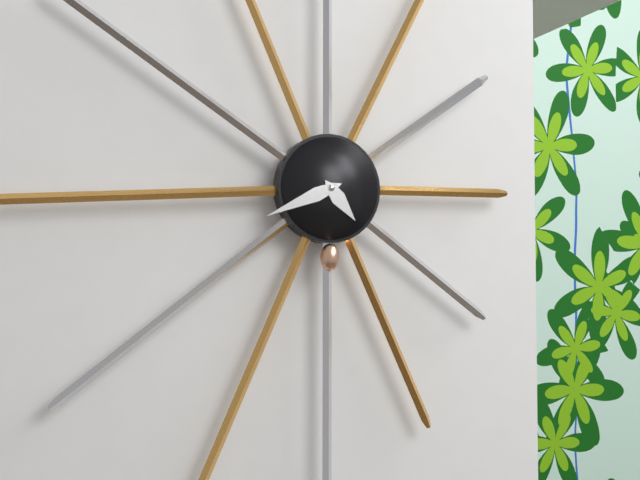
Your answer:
4 h 41 min
